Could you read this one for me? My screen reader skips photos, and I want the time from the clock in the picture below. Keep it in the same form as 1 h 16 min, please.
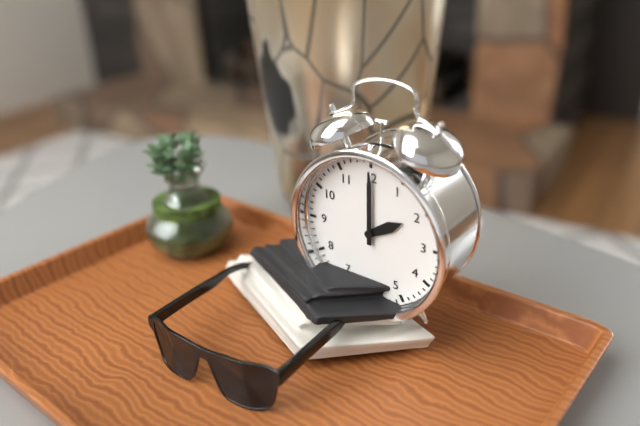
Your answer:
2 h 00 min
